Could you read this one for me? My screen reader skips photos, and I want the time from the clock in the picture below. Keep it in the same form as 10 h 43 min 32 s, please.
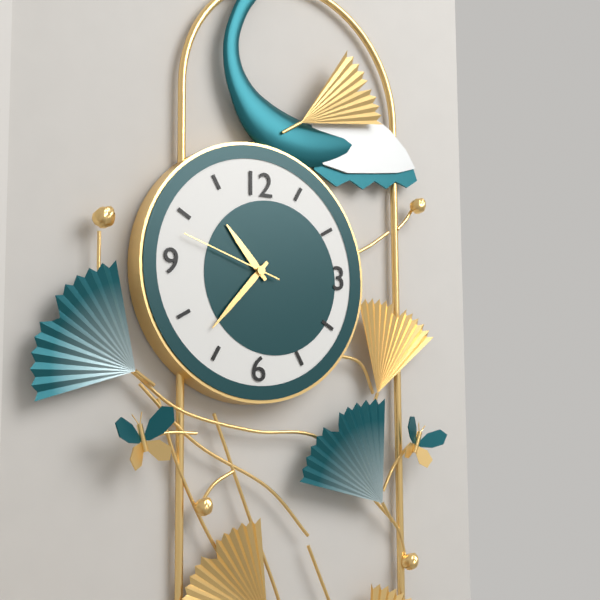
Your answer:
10 h 37 min 48 s
